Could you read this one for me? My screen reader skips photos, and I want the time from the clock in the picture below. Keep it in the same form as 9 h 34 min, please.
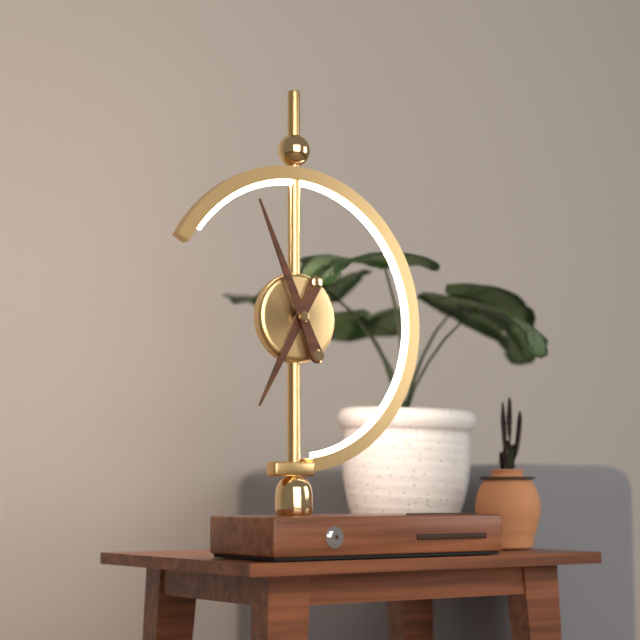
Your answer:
6 h 56 min
